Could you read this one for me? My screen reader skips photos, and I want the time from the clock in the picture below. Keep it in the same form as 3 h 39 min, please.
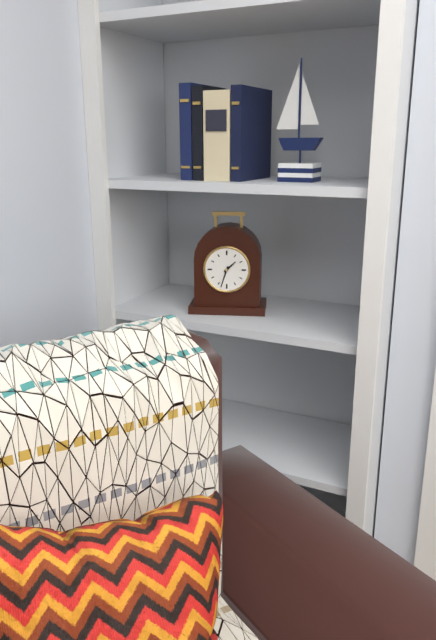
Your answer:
1 h 33 min
